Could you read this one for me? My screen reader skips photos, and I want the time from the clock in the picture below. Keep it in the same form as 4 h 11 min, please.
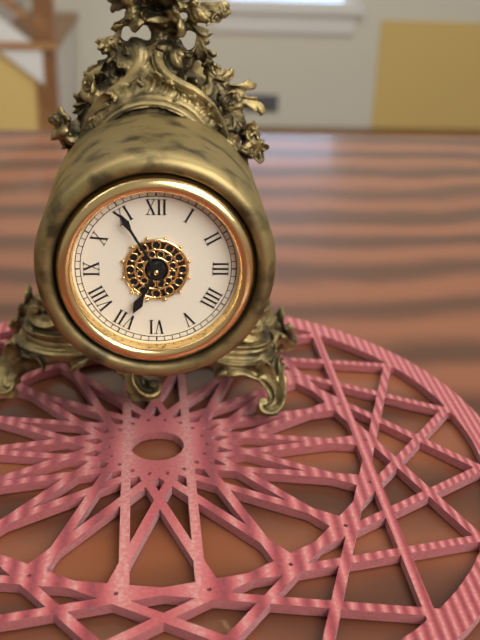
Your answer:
6 h 55 min
